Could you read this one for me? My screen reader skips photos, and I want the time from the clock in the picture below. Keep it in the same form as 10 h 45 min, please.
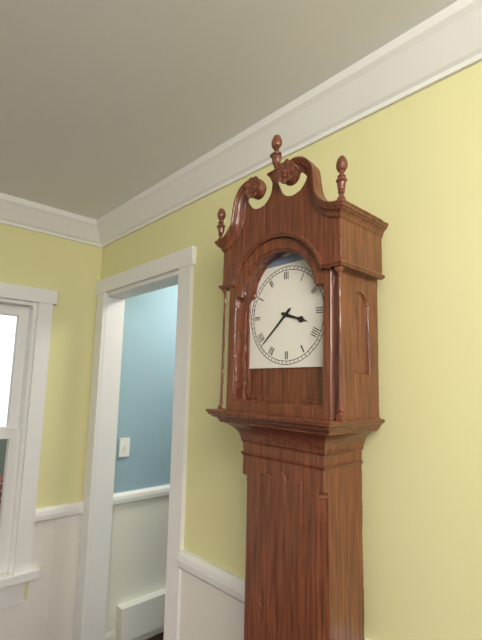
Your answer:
3 h 38 min
